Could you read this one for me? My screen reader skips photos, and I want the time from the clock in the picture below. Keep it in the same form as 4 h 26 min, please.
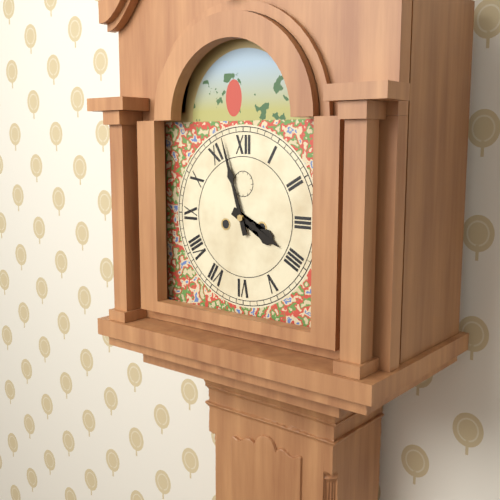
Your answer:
3 h 57 min
